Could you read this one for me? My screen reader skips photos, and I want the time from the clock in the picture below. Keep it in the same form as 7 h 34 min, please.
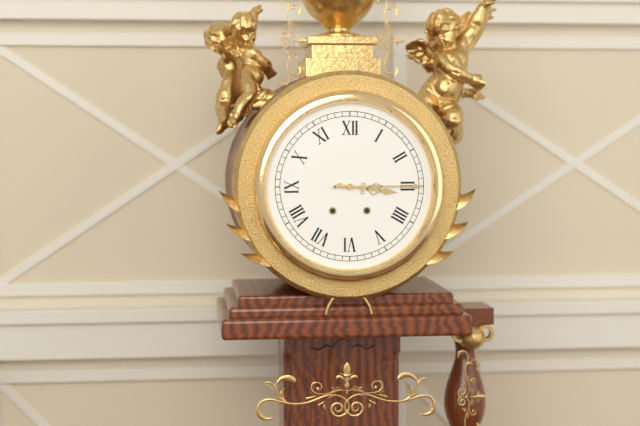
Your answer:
3 h 15 min
